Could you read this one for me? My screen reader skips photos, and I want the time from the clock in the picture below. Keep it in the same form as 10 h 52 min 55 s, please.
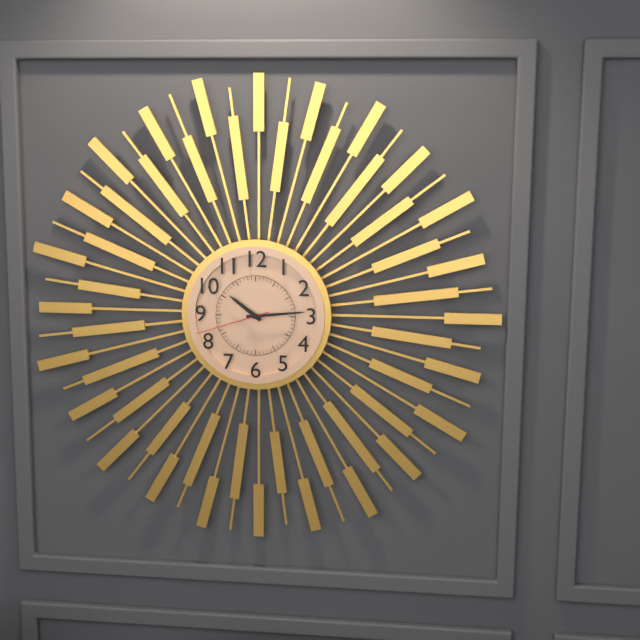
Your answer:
10 h 14 min 42 s
